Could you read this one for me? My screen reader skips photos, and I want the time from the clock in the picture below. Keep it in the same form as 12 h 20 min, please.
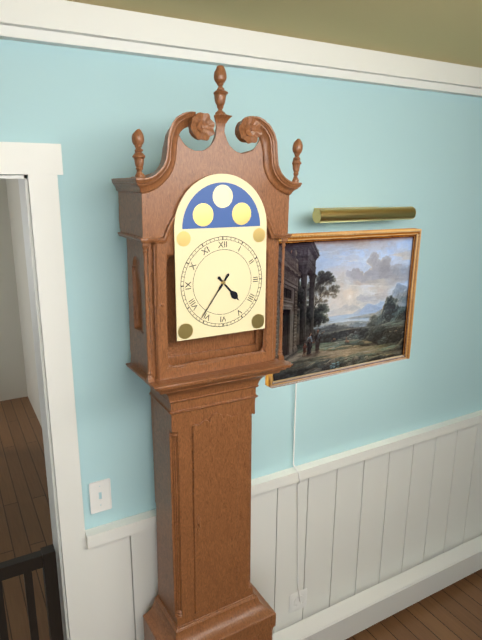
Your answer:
4 h 36 min
